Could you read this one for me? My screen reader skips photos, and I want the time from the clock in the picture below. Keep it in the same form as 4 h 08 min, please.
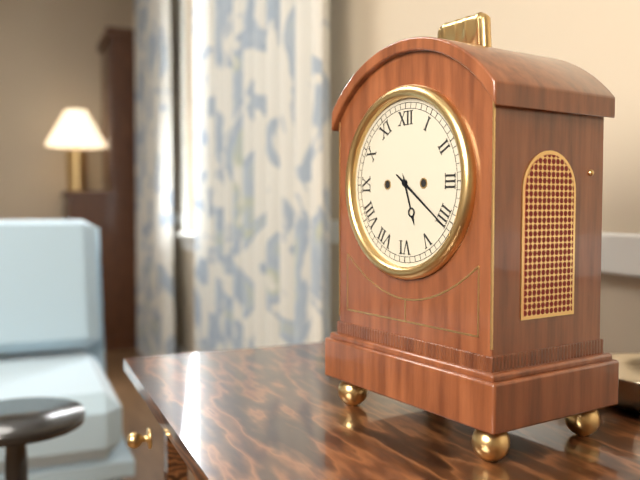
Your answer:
5 h 21 min
